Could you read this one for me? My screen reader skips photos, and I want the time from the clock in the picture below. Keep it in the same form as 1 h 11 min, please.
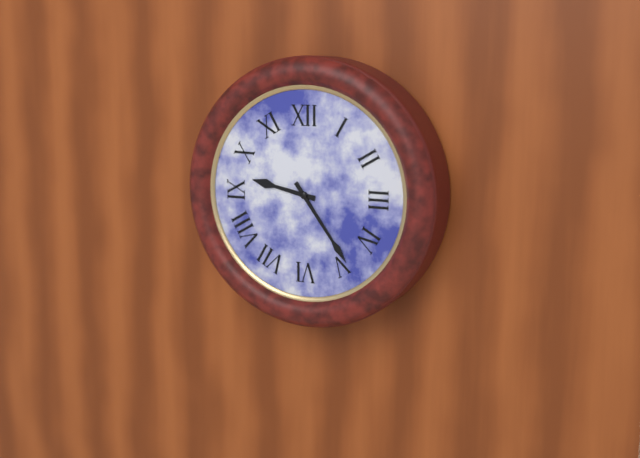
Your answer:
9 h 24 min
